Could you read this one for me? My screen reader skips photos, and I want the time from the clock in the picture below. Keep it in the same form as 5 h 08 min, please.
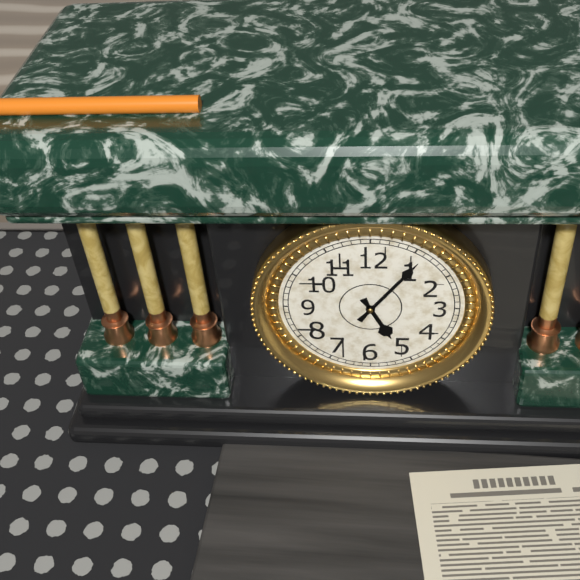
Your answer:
5 h 06 min
